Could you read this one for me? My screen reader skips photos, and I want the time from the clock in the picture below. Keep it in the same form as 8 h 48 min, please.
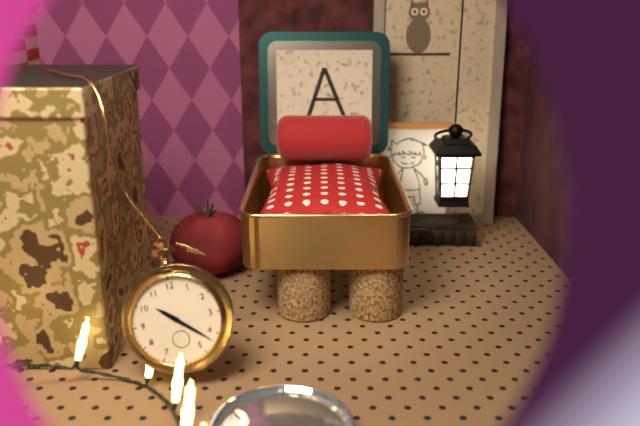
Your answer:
10 h 22 min
